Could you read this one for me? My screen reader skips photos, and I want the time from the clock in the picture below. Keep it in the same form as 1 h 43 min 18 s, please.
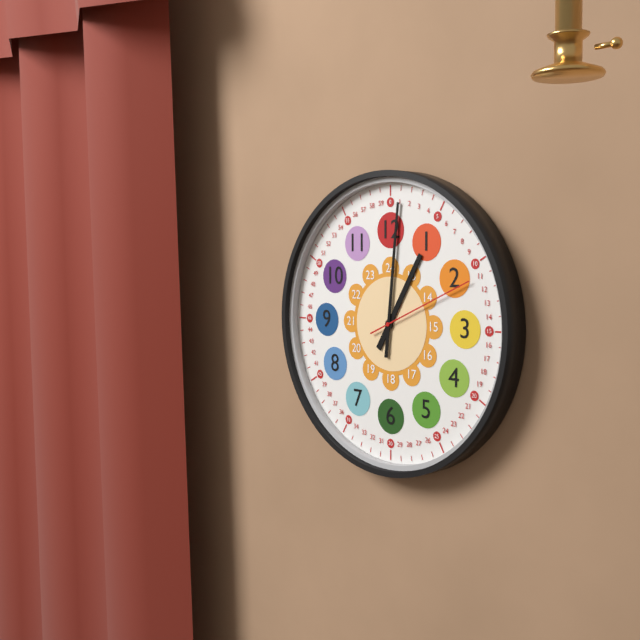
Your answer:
1 h 01 min 11 s
